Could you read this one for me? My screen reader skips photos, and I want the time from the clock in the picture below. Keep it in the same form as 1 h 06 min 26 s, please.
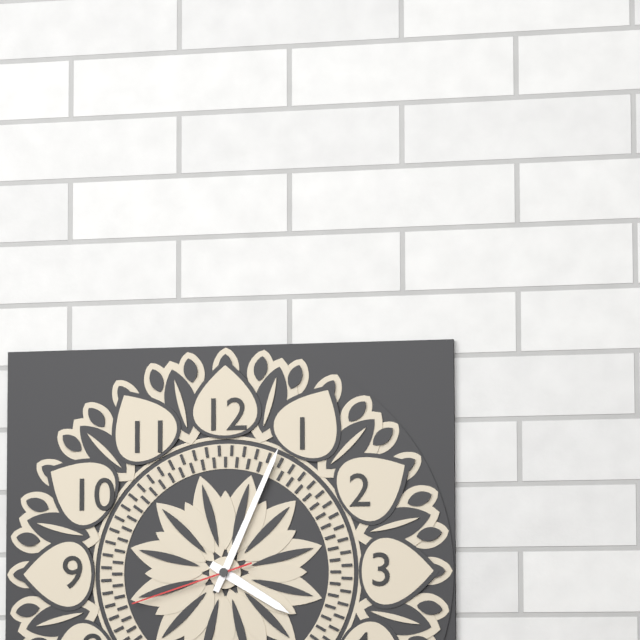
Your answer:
4 h 04 min 42 s
